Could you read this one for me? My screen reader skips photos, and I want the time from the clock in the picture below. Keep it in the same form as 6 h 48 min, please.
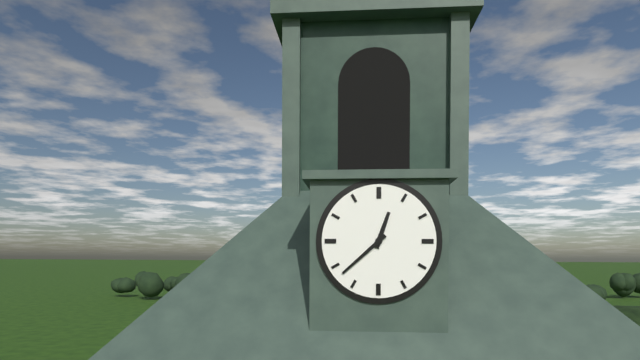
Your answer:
12 h 38 min
